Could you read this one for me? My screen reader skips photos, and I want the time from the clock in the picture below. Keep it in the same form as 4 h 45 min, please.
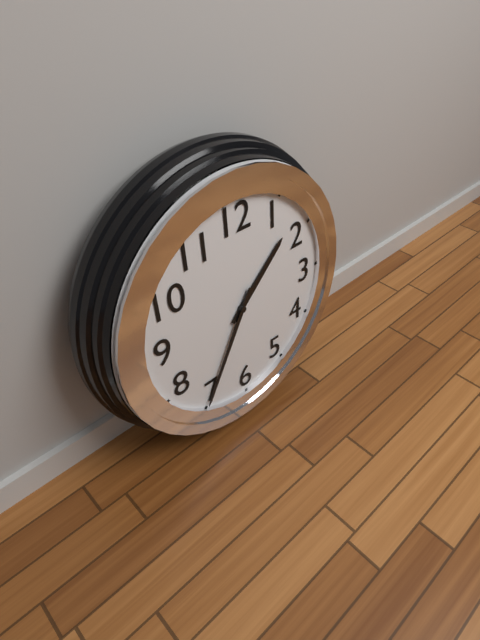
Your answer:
1 h 35 min
